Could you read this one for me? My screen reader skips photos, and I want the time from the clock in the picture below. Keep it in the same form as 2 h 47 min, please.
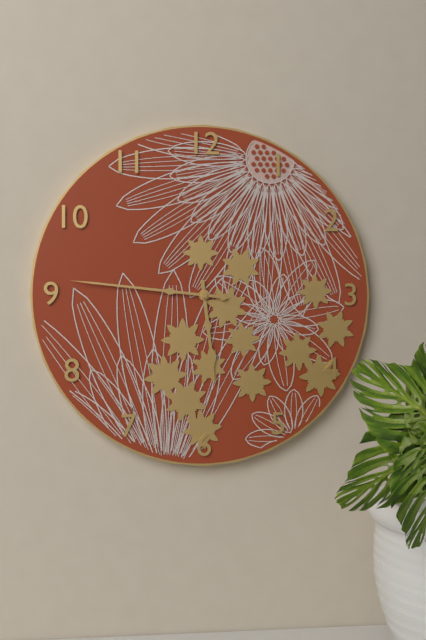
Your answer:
5 h 46 min
